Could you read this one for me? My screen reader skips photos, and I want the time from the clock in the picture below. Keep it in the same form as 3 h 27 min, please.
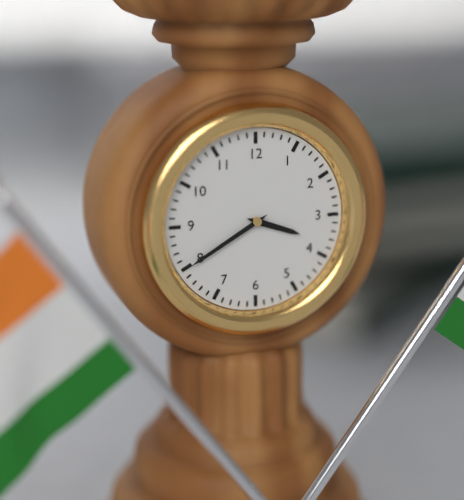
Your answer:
3 h 40 min
